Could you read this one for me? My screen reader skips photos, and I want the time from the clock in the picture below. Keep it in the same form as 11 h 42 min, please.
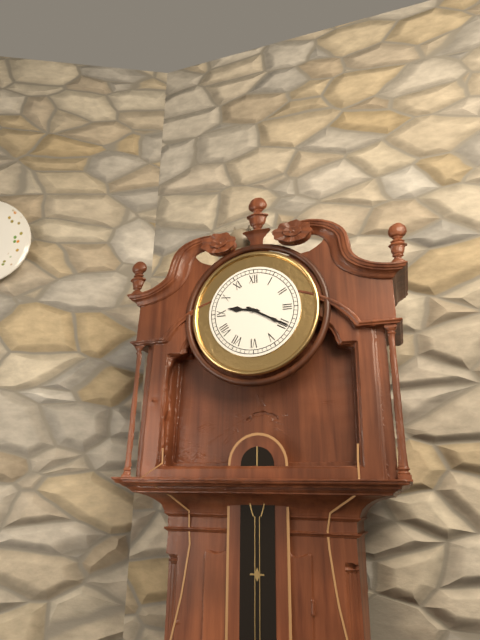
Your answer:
9 h 20 min
